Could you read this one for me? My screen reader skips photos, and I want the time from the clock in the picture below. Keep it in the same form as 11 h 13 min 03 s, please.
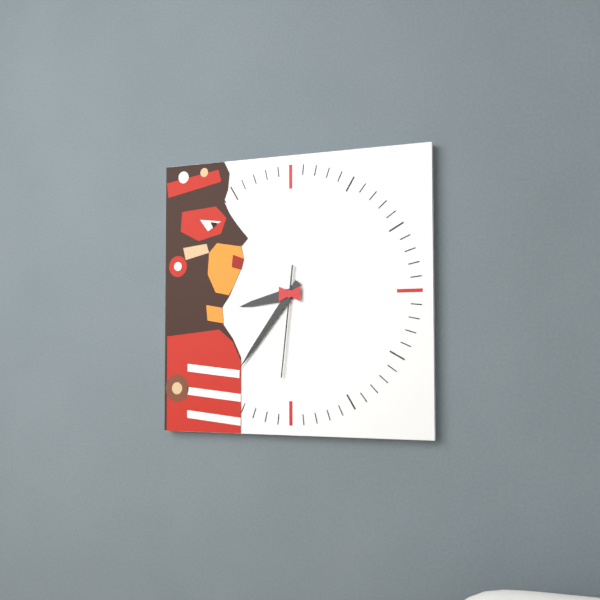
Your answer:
8 h 36 min 31 s
